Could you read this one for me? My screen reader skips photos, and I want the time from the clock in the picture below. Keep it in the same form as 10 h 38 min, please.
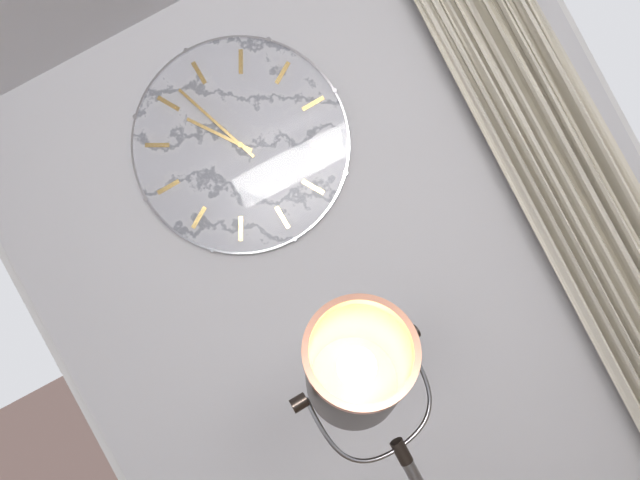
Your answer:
9 h 52 min
